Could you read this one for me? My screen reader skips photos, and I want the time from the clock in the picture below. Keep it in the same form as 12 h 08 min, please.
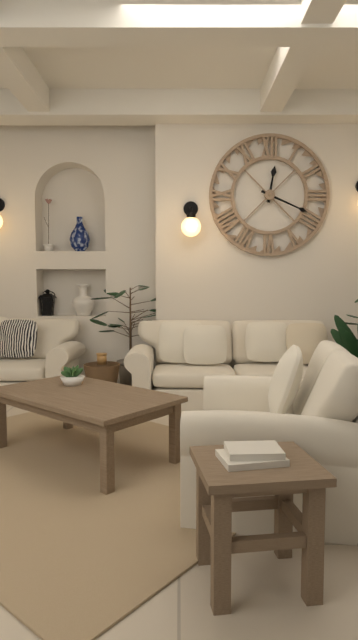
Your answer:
12 h 19 min
